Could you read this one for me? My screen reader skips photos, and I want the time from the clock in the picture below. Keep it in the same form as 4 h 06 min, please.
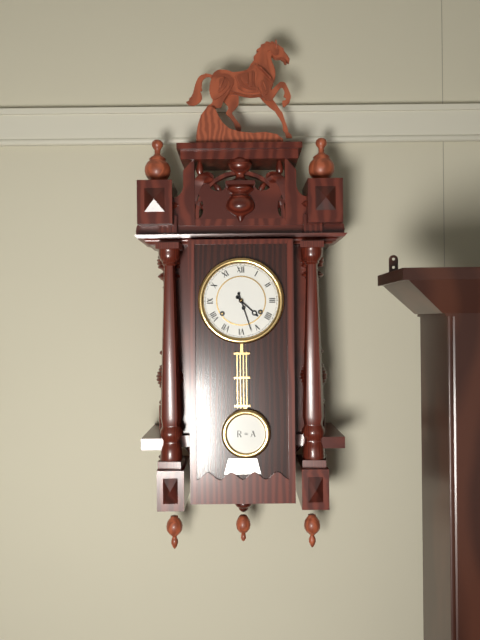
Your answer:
4 h 27 min
